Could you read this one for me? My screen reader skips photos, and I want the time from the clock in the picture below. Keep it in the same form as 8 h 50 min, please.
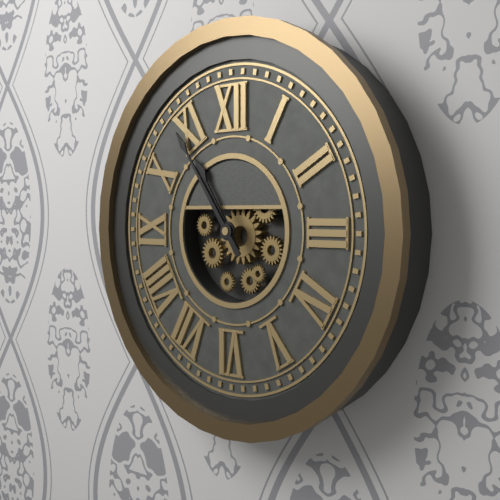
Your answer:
10 h 54 min
